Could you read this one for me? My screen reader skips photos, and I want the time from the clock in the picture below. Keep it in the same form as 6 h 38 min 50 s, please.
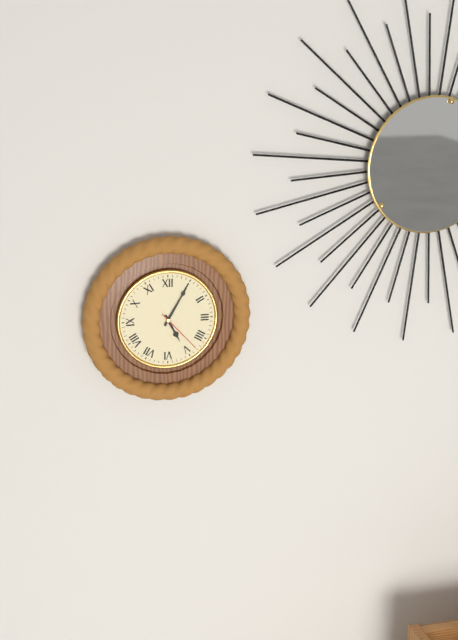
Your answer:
5 h 05 min 23 s
